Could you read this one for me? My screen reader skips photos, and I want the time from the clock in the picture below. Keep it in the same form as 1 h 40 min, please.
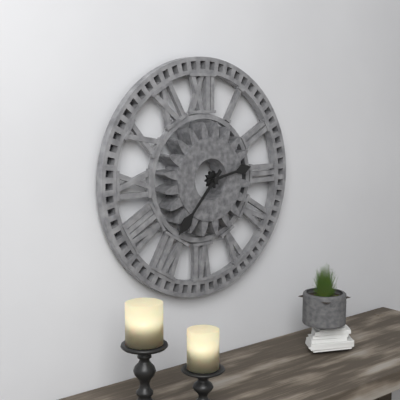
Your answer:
2 h 37 min
